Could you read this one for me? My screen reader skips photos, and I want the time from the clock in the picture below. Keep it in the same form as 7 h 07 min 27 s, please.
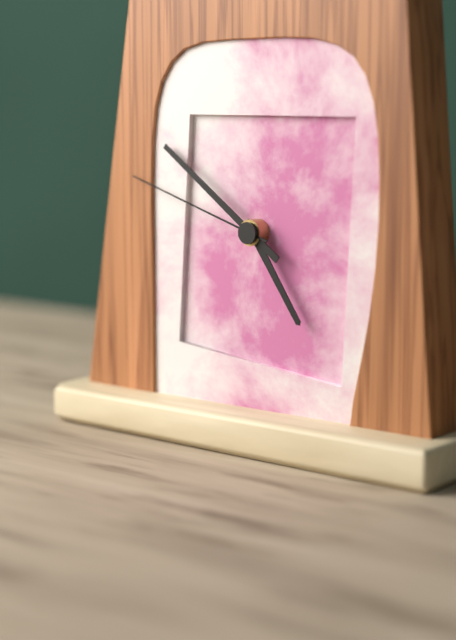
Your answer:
4 h 51 min 48 s
